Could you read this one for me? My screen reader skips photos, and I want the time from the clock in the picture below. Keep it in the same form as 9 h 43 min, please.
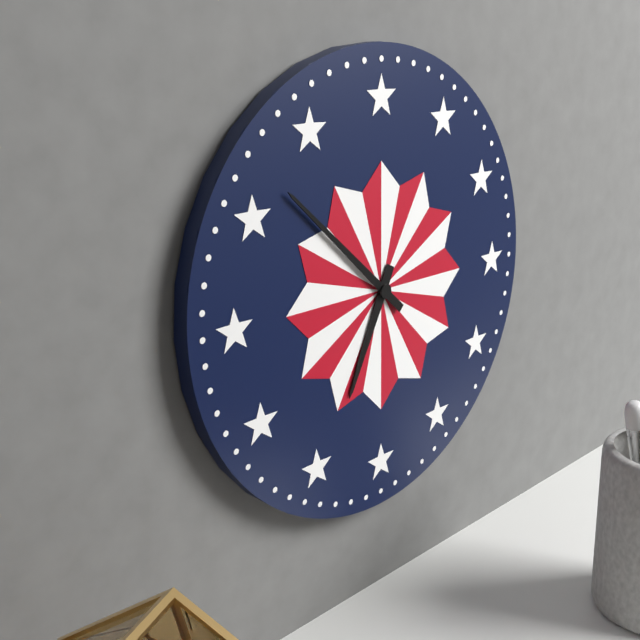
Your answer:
6 h 52 min
